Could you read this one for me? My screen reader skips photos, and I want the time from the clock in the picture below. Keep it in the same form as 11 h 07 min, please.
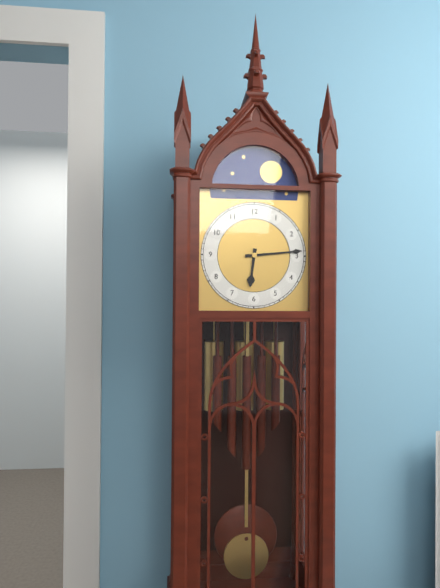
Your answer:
6 h 14 min
